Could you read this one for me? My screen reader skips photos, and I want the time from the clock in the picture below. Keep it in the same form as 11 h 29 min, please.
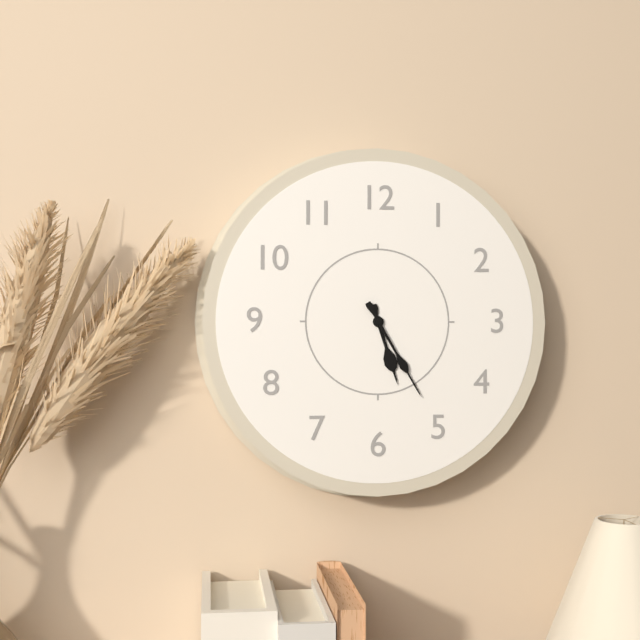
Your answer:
5 h 25 min
